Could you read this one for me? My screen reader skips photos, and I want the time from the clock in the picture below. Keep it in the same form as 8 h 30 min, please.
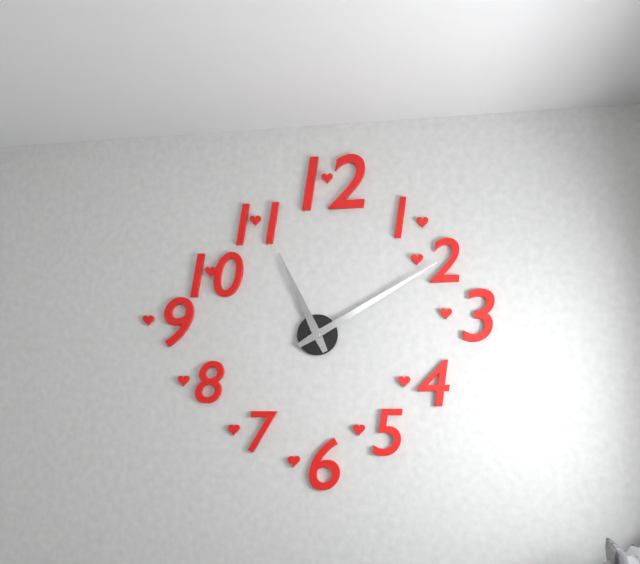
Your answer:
11 h 10 min
